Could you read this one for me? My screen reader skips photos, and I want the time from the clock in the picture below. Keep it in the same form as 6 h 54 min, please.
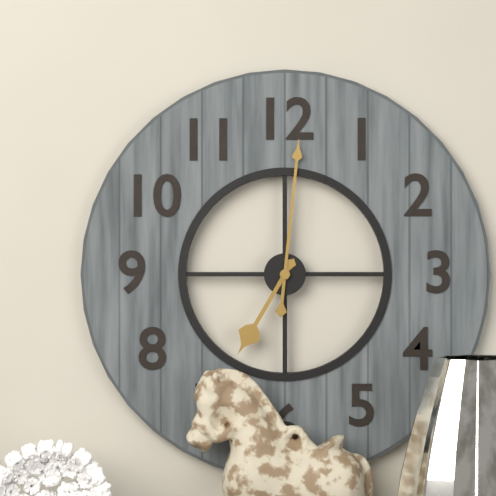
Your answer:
7 h 01 min
